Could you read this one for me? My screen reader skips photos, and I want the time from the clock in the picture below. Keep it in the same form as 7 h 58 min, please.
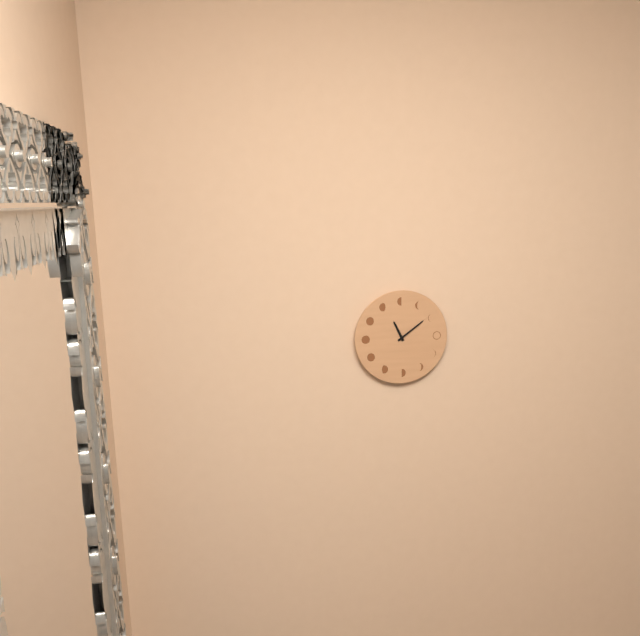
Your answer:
11 h 09 min
